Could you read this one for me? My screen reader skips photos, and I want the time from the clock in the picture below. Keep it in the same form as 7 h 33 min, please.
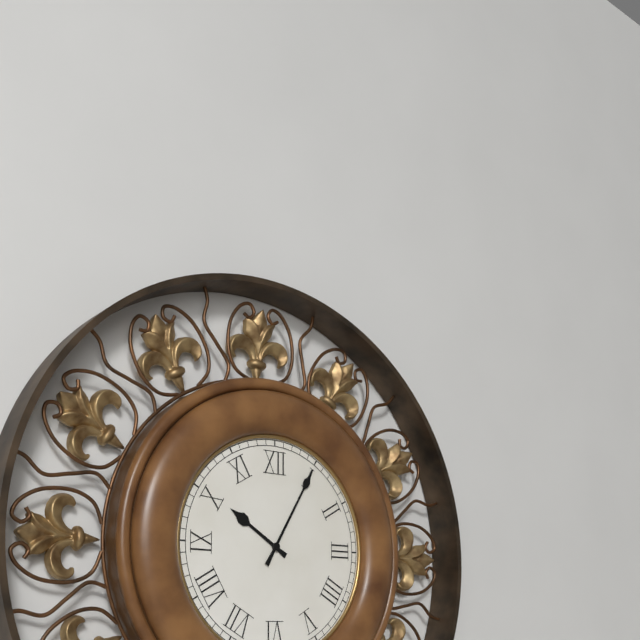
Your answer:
10 h 05 min
